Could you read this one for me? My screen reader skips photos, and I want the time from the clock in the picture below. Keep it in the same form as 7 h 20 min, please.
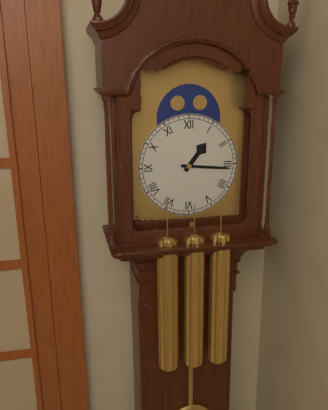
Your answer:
1 h 16 min
